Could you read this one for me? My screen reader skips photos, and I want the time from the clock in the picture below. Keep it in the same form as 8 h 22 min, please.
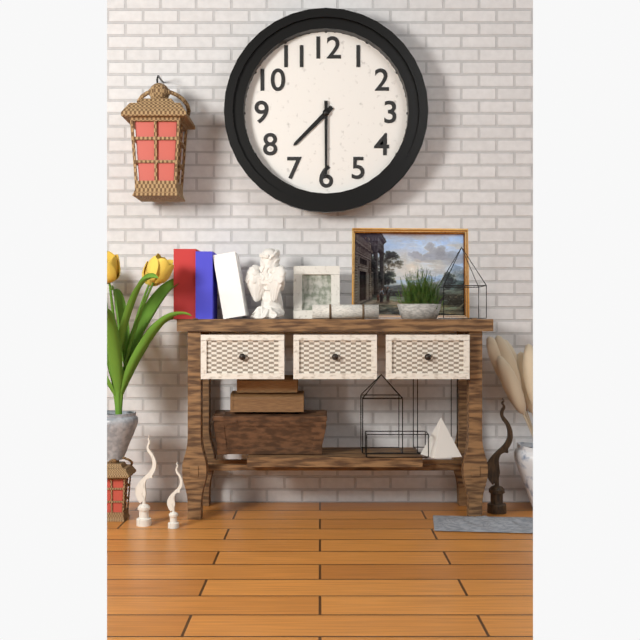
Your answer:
7 h 30 min
